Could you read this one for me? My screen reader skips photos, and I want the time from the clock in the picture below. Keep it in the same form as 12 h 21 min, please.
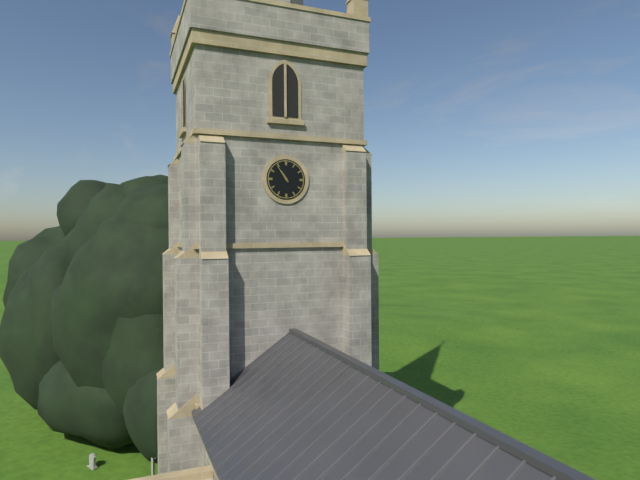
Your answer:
10 h 54 min
